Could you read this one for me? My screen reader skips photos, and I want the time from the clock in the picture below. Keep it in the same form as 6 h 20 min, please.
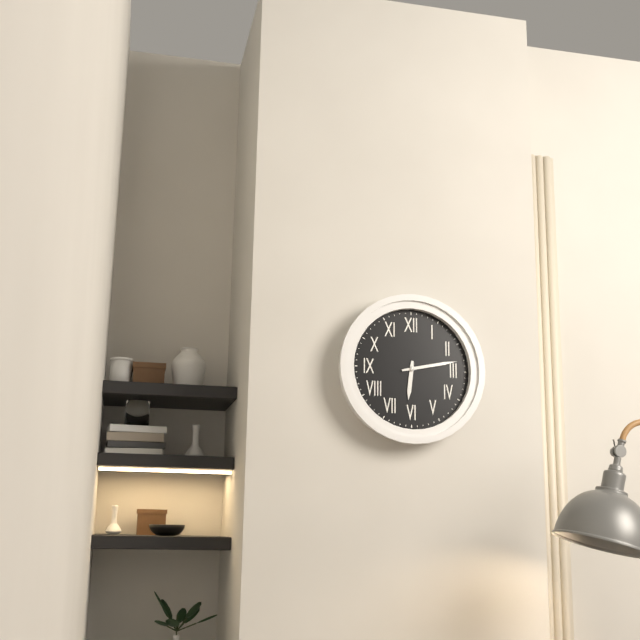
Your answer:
6 h 13 min
